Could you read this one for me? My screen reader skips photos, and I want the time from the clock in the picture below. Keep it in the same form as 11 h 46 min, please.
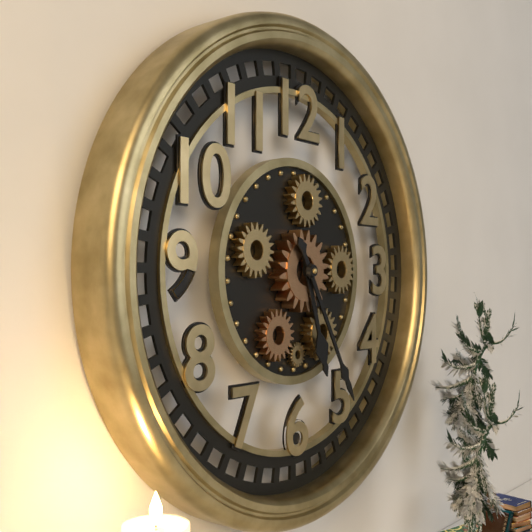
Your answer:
5 h 25 min
